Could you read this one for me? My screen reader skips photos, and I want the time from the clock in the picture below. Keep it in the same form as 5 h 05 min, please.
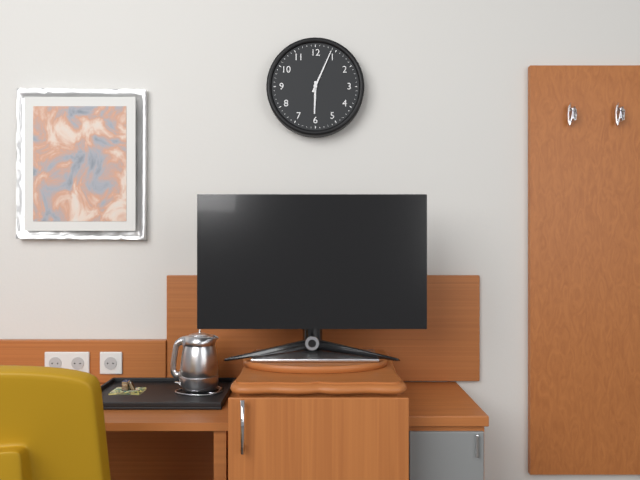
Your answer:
6 h 04 min
